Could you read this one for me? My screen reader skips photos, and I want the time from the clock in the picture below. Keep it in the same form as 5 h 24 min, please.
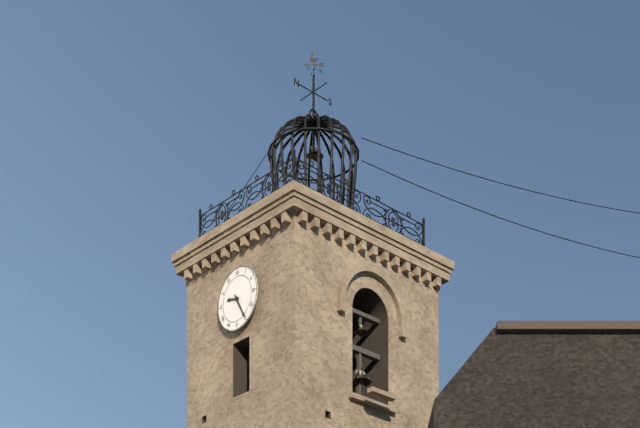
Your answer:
9 h 25 min
